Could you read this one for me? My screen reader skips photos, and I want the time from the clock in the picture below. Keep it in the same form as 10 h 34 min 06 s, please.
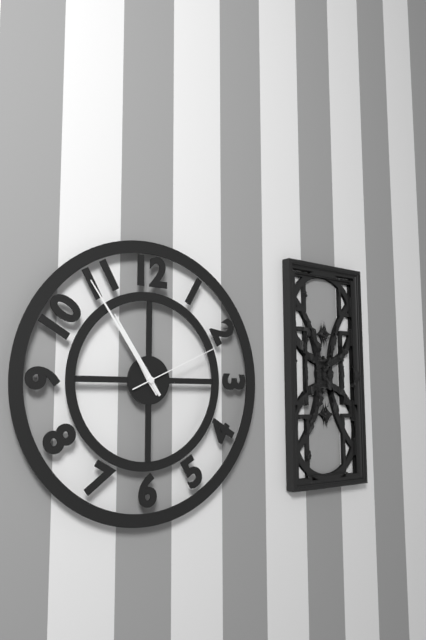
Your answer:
10 h 54 min 11 s
